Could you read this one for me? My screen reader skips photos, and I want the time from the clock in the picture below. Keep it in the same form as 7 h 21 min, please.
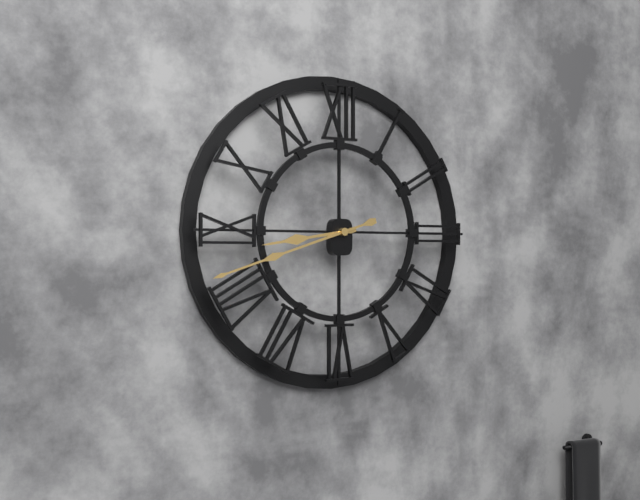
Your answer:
8 h 42 min
